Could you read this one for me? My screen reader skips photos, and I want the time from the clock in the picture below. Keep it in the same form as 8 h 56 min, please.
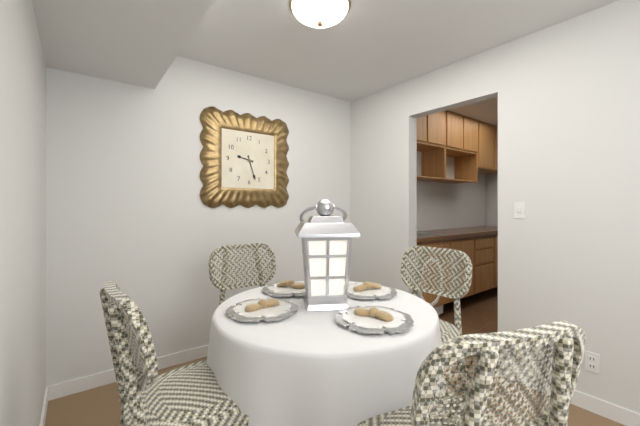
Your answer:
9 h 27 min
